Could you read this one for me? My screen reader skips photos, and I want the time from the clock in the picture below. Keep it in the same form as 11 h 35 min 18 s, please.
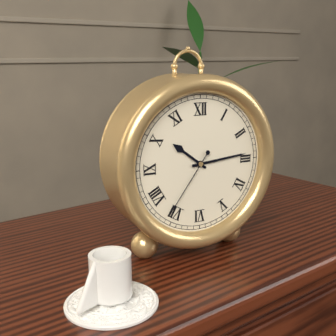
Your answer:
10 h 14 min 36 s
